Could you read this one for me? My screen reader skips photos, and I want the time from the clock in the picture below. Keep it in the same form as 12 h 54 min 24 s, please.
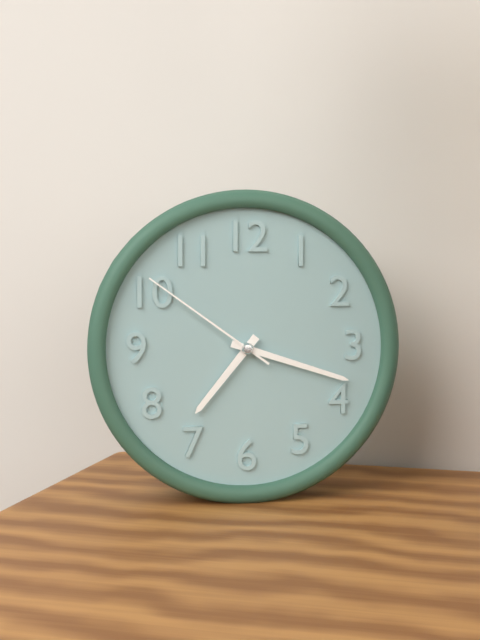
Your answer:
7 h 18 min 51 s
